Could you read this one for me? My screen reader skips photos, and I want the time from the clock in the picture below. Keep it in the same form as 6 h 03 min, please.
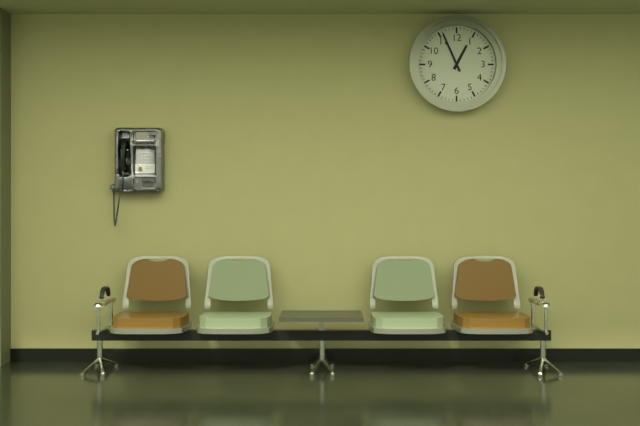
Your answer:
12 h 56 min
